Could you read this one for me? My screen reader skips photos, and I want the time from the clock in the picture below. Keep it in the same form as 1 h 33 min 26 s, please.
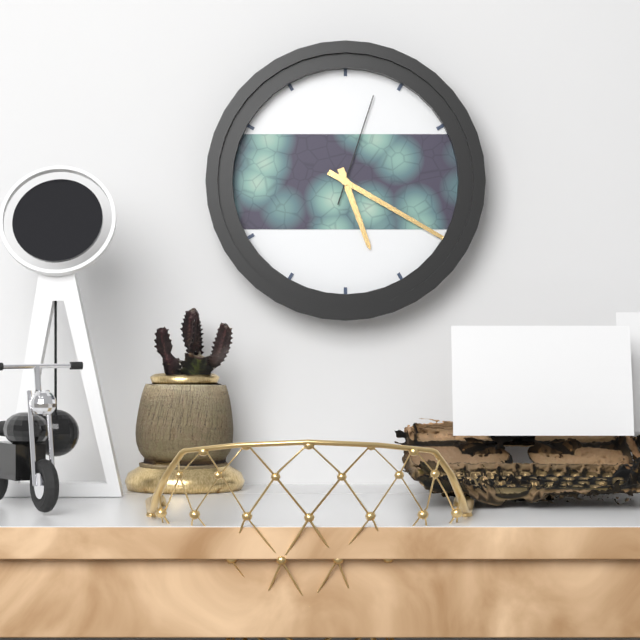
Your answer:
5 h 20 min 03 s
